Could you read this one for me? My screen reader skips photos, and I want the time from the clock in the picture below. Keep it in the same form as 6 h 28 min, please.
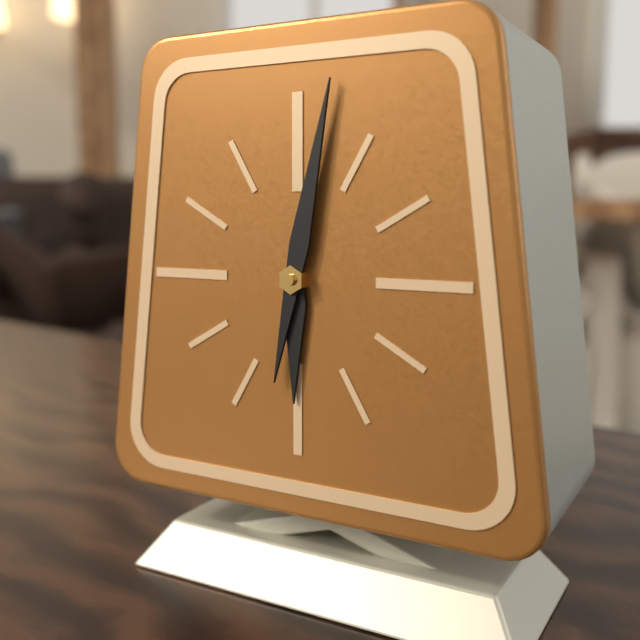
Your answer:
6 h 02 min
